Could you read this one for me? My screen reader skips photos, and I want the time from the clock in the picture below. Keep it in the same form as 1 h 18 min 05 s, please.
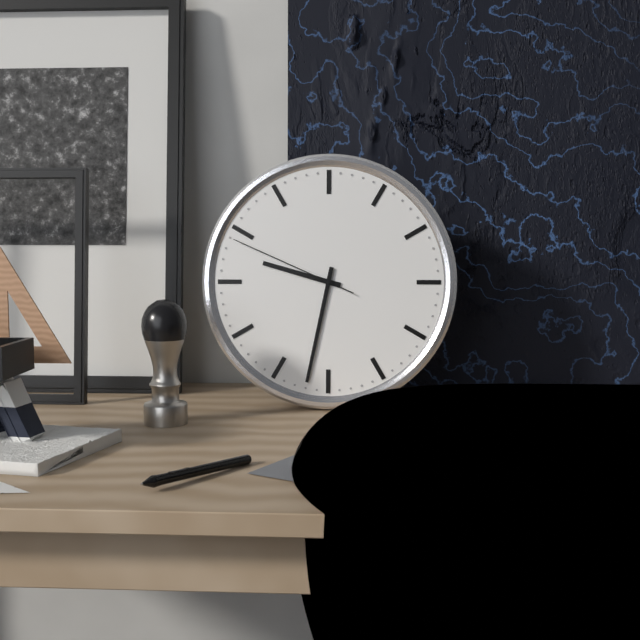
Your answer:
9 h 32 min 49 s
